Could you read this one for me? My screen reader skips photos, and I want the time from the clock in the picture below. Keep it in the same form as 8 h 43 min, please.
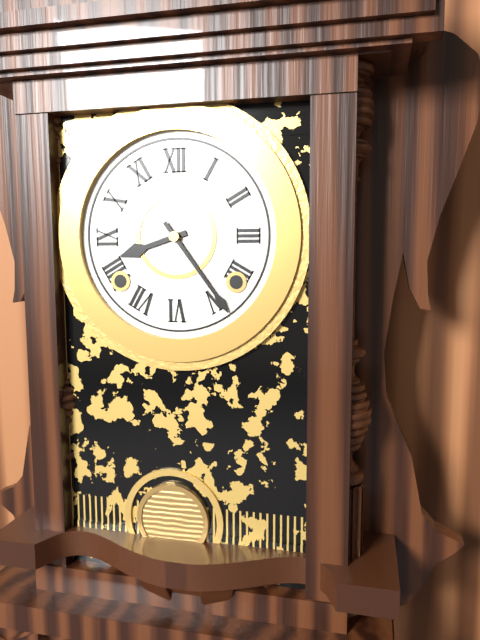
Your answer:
8 h 24 min
